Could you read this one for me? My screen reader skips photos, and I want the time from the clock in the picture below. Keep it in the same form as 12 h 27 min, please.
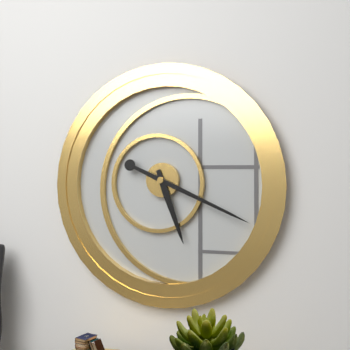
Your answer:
5 h 19 min
